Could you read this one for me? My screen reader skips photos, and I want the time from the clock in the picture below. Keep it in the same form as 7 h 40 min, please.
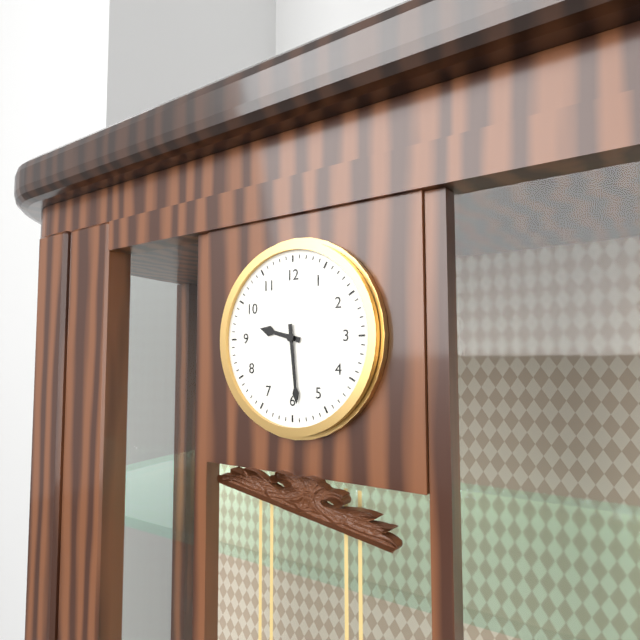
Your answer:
9 h 29 min
